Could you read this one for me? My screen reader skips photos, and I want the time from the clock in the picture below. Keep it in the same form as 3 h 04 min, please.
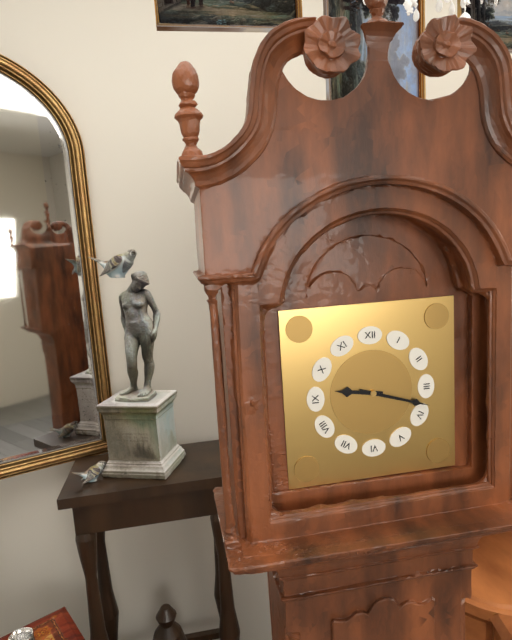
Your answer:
9 h 18 min
